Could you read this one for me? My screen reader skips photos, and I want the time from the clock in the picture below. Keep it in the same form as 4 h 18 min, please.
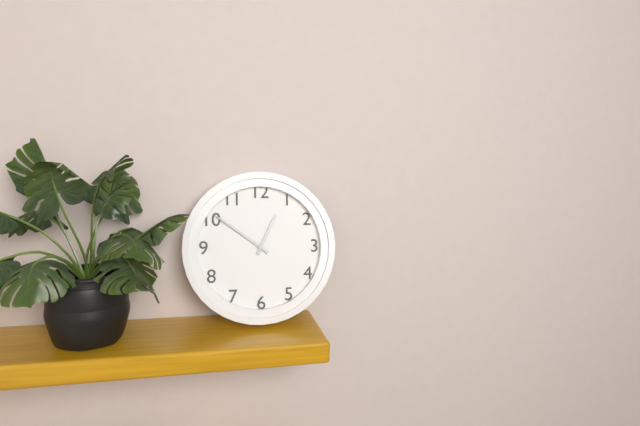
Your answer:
12 h 51 min
